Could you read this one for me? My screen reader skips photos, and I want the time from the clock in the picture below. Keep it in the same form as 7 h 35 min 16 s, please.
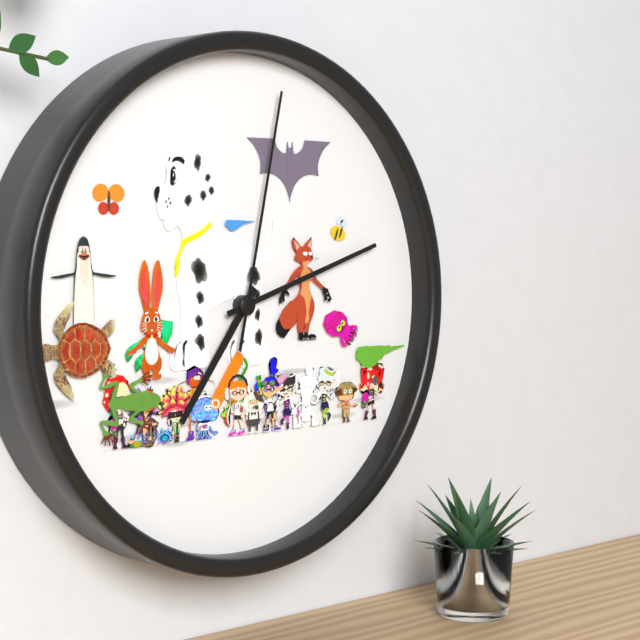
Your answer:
7 h 12 min 02 s
